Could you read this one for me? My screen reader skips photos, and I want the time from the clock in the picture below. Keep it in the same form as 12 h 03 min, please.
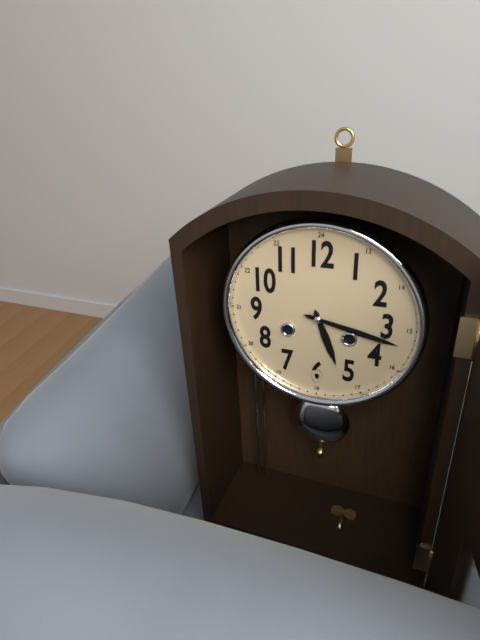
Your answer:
5 h 17 min
